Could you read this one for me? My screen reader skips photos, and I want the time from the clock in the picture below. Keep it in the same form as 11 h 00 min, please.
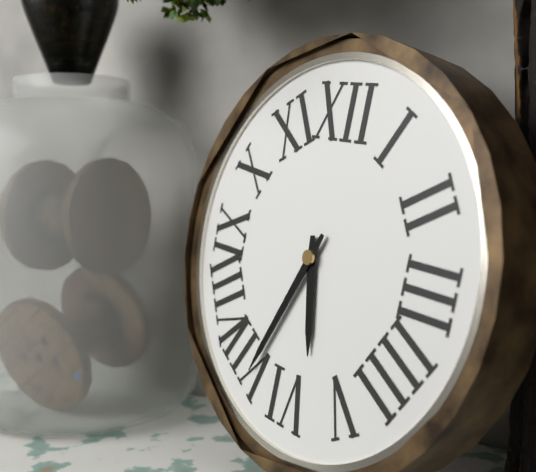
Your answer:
5 h 34 min
